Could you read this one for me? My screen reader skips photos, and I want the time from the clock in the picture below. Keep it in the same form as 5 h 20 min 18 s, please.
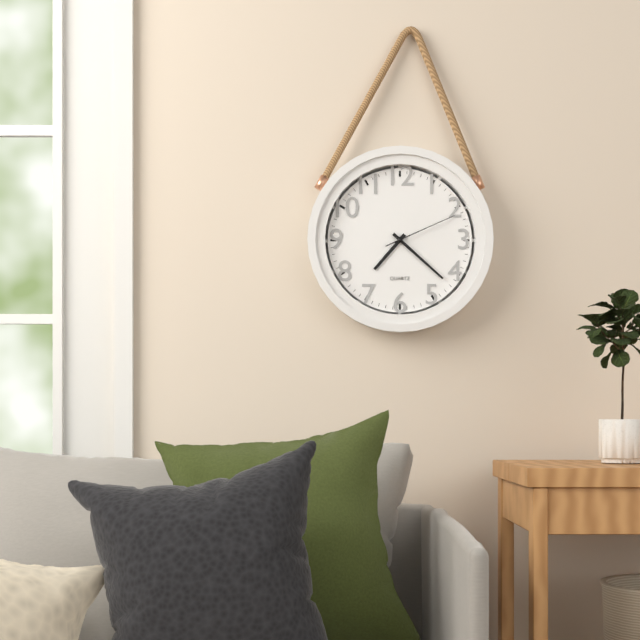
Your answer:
7 h 22 min 11 s
